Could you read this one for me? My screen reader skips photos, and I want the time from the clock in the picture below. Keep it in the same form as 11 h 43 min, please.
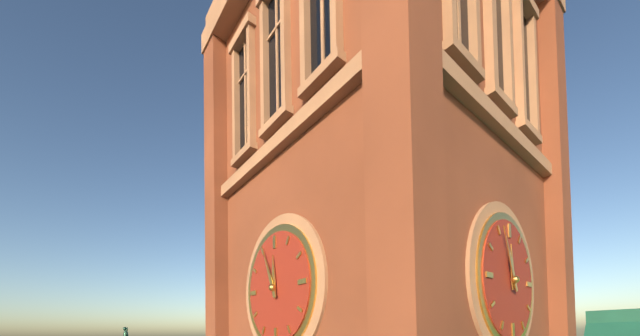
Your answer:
11 h 56 min
